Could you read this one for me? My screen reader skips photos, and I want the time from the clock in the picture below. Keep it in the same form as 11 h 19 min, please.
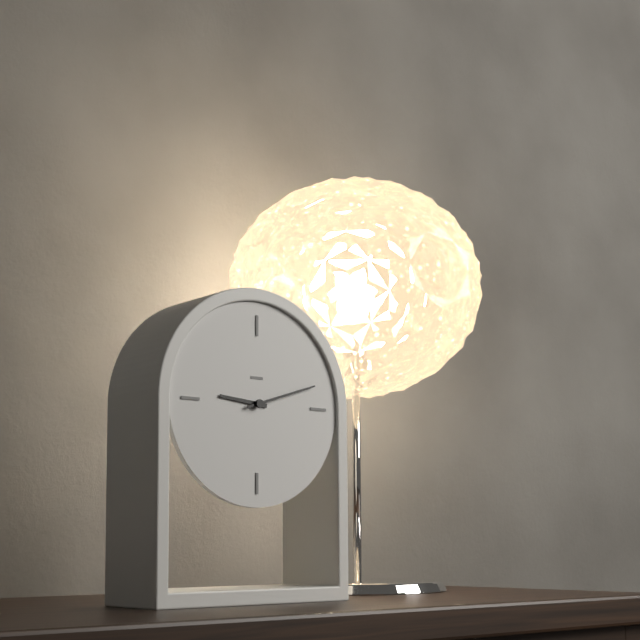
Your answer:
9 h 12 min
